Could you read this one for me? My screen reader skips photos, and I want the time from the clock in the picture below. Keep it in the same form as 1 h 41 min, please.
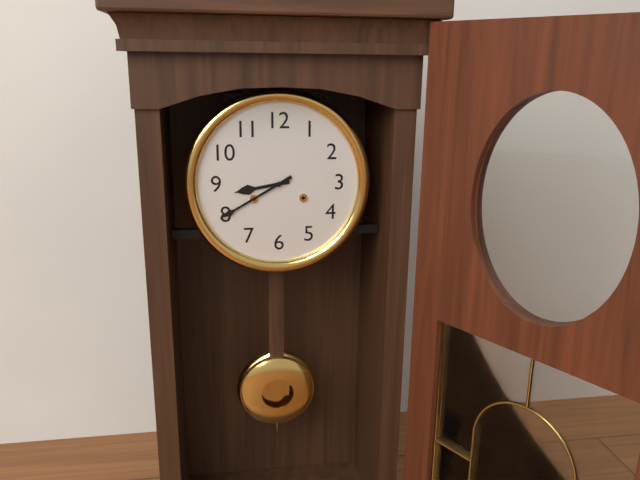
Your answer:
8 h 40 min
